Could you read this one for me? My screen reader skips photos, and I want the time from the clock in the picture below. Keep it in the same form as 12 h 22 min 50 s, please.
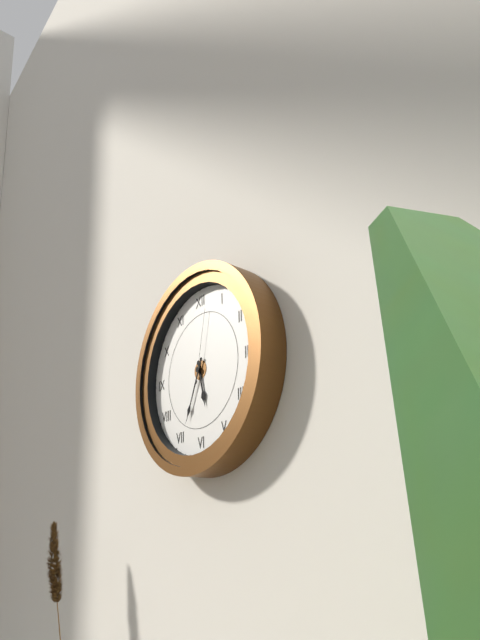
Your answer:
5 h 34 min 02 s
